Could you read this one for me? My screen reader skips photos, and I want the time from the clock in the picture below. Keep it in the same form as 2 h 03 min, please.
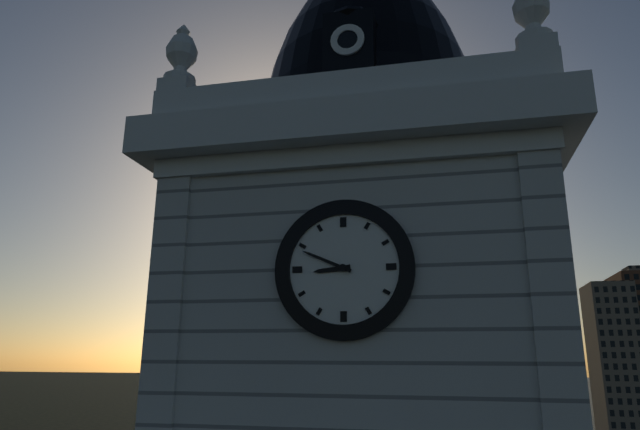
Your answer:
8 h 49 min
